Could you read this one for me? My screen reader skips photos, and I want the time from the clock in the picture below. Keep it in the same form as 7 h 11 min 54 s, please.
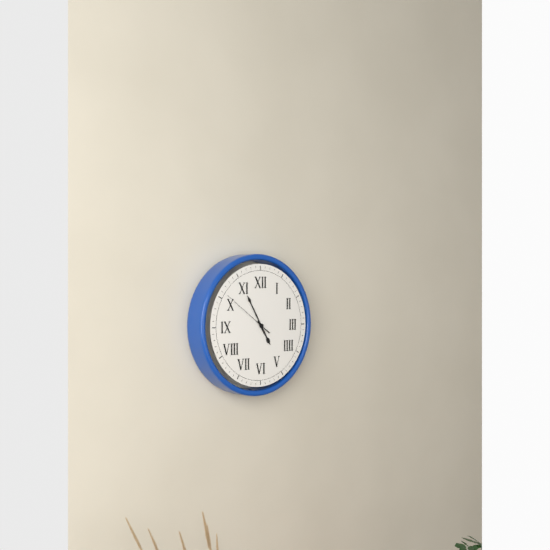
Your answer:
4 h 55 min 51 s
